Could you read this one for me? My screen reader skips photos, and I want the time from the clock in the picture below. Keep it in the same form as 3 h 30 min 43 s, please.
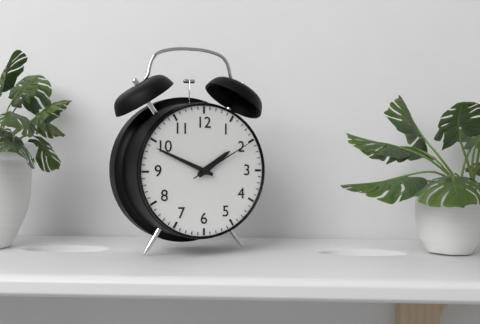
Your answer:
1 h 49 min 10 s
